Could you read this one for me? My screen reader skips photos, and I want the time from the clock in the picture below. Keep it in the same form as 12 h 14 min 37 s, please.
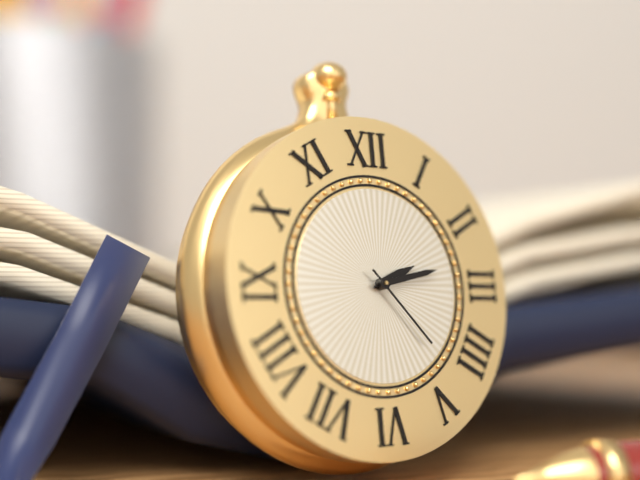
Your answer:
2 h 13 min 23 s
